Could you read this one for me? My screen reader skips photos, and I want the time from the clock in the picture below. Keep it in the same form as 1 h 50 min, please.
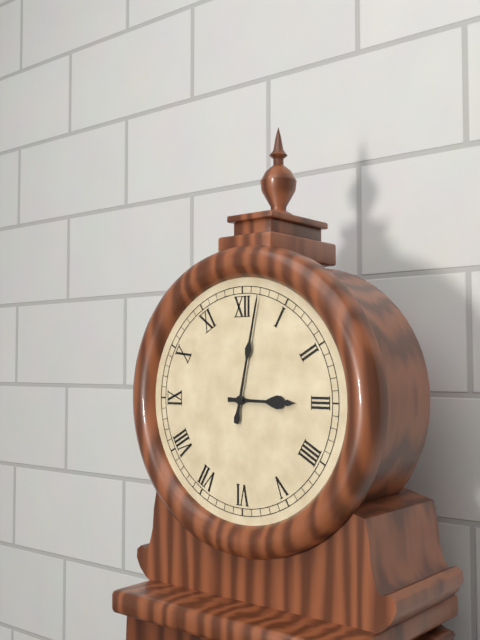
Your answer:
3 h 02 min
